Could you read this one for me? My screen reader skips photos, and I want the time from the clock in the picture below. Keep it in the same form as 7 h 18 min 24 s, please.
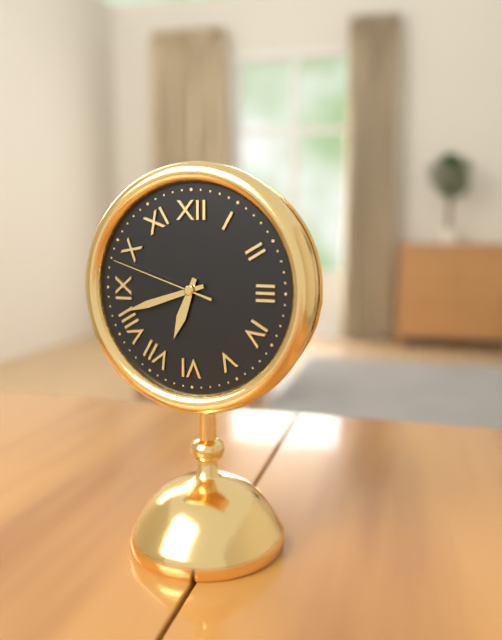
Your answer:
6 h 42 min 48 s
